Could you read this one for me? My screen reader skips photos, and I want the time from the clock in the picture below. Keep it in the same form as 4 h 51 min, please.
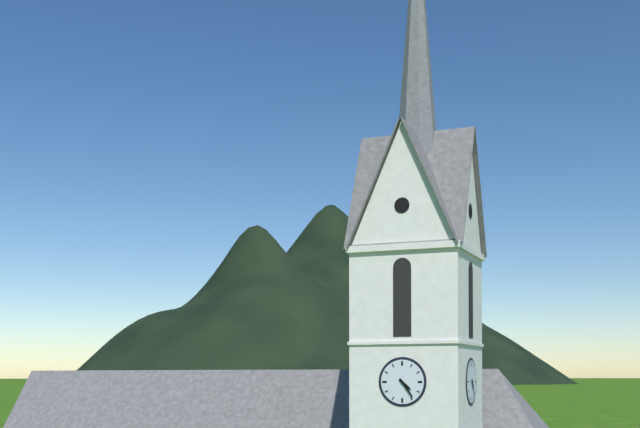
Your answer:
4 h 24 min
